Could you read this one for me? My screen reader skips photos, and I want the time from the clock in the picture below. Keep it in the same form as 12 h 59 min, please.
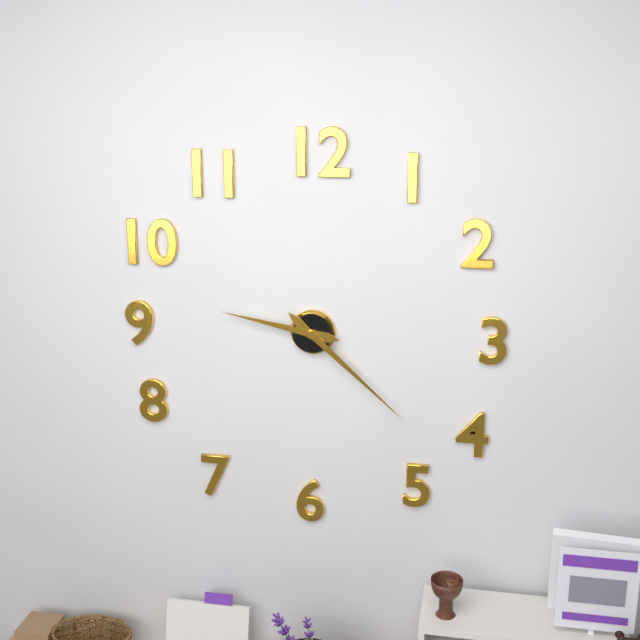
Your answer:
9 h 22 min
